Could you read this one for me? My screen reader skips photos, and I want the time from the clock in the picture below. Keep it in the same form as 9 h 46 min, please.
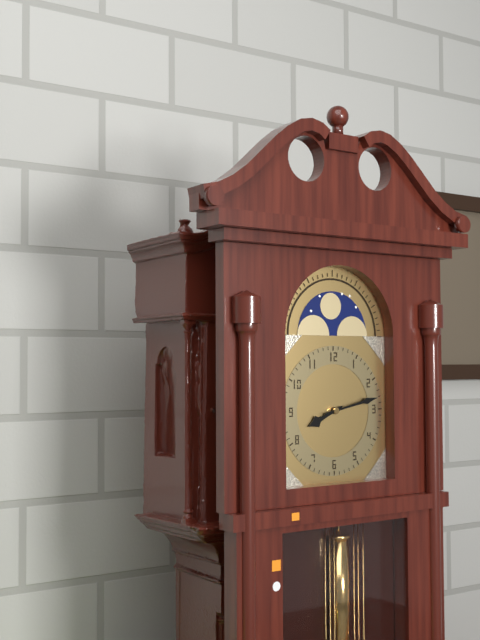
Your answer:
8 h 13 min
